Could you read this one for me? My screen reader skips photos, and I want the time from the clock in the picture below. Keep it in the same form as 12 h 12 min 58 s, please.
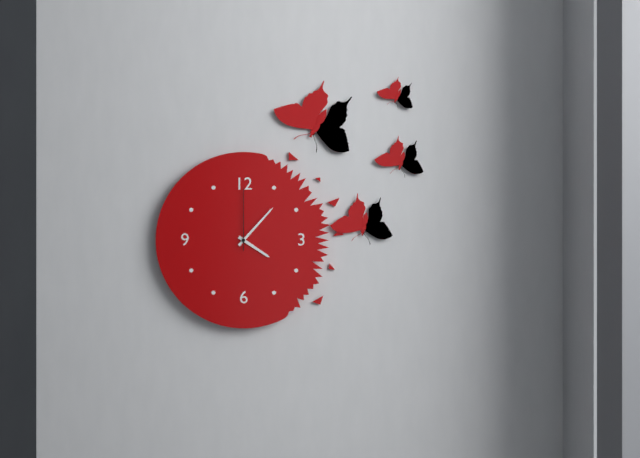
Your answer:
4 h 07 min 00 s
